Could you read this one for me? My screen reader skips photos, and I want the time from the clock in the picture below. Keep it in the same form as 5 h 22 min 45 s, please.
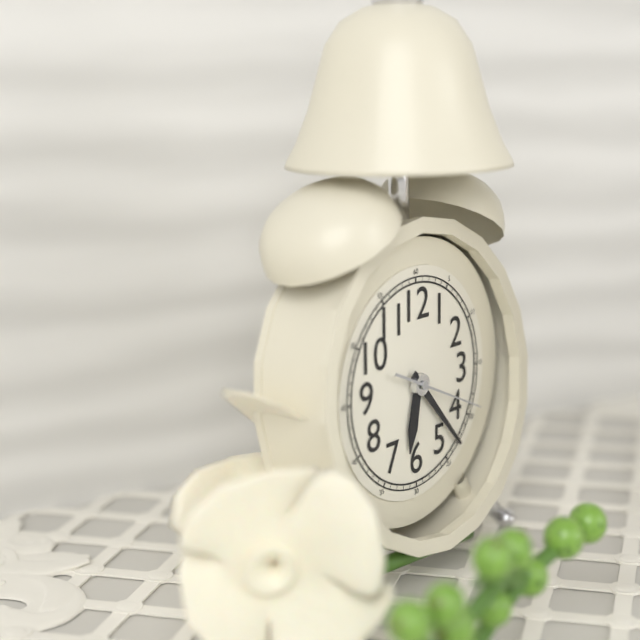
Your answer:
6 h 23 min 19 s
